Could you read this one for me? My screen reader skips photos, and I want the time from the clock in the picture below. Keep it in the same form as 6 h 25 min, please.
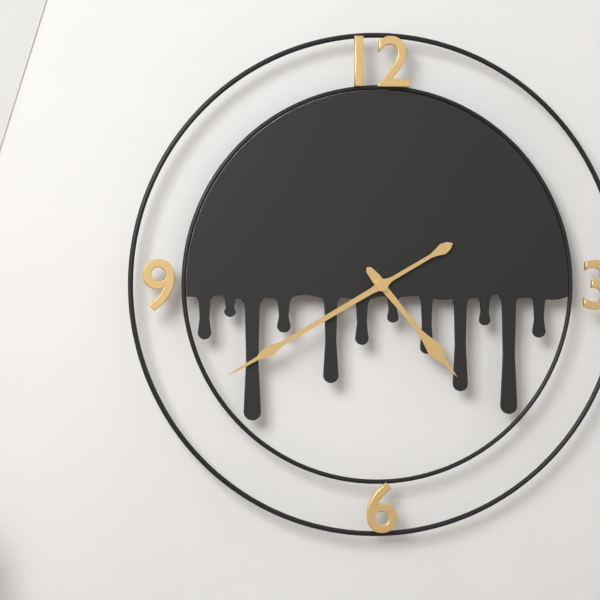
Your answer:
4 h 40 min
